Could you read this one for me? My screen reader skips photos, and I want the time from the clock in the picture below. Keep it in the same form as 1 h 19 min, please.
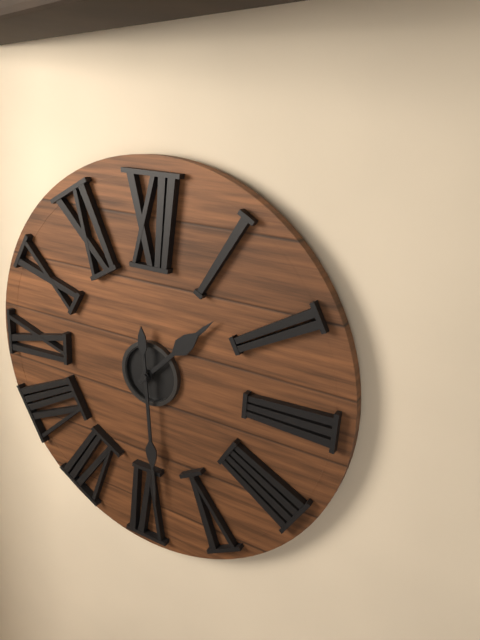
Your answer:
1 h 29 min
